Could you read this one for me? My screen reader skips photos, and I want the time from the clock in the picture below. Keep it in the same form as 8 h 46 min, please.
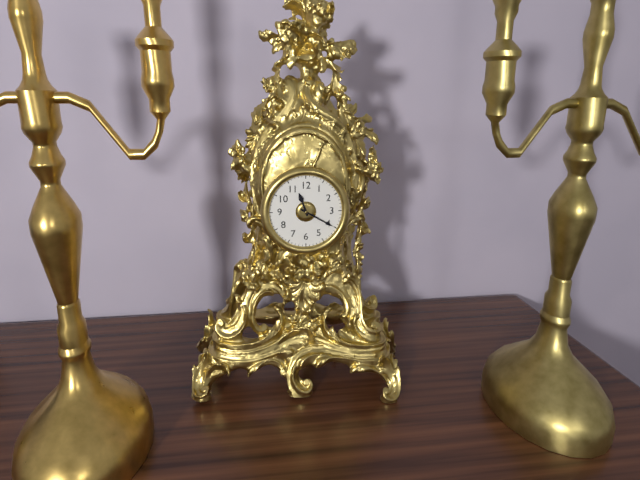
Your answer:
11 h 20 min
